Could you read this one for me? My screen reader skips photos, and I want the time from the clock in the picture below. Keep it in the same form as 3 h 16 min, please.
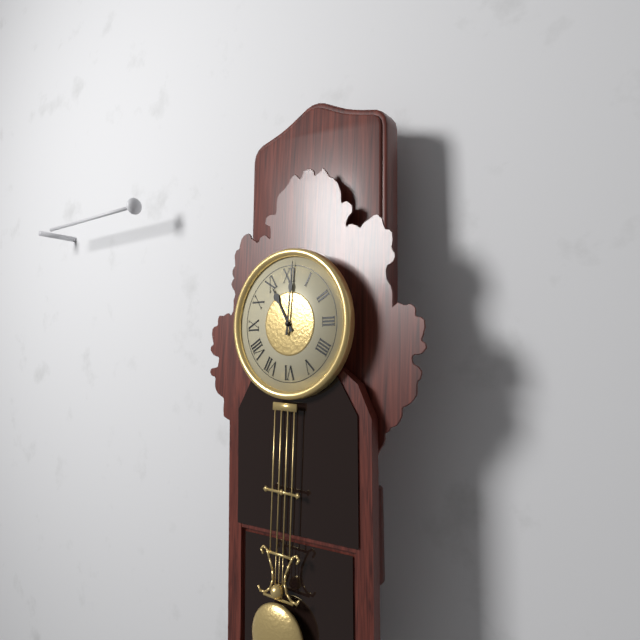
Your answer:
11 h 01 min
